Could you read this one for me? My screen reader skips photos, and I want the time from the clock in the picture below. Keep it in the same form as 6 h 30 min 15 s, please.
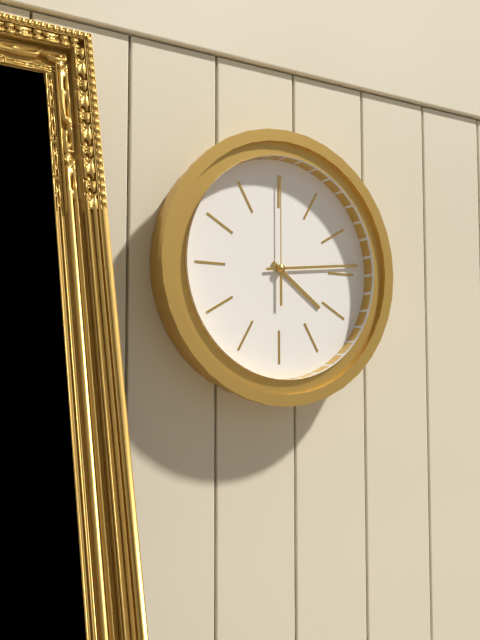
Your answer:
4 h 14 min 00 s
